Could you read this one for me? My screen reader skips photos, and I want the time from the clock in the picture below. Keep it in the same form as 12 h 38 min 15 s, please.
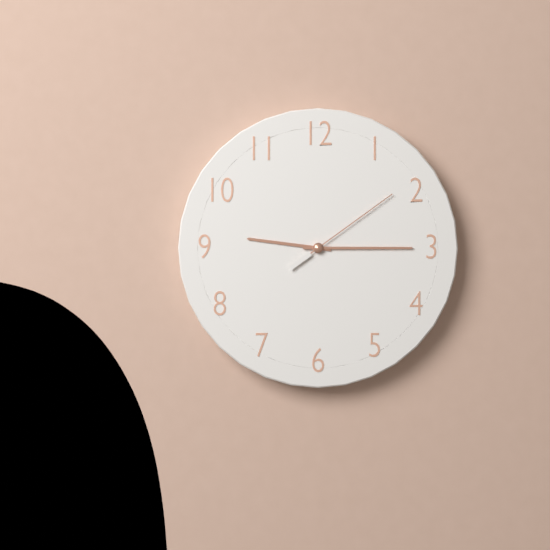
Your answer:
9 h 15 min 09 s
